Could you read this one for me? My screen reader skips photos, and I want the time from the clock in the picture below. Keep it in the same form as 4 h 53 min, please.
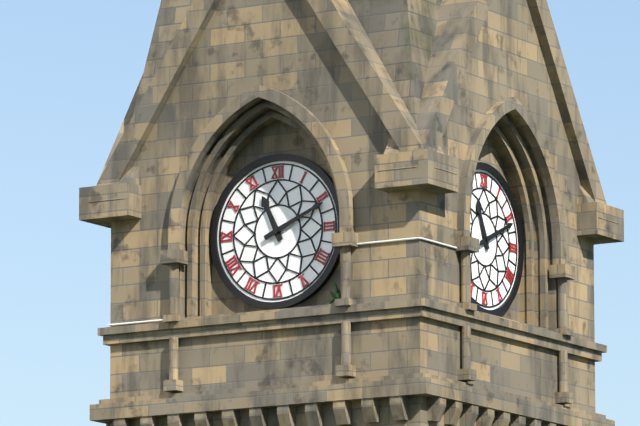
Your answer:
11 h 11 min
